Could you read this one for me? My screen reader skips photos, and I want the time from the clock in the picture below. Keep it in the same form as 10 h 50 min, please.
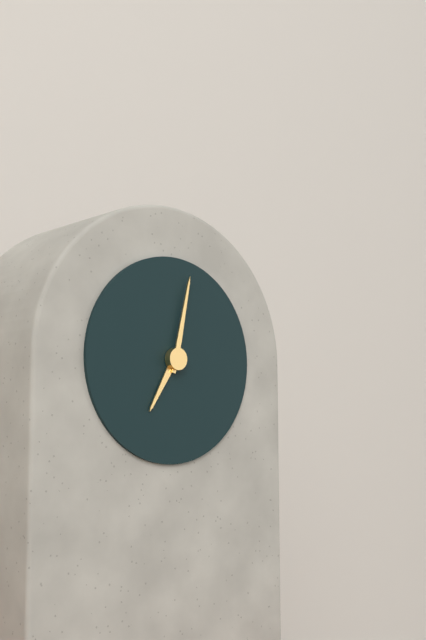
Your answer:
7 h 02 min
